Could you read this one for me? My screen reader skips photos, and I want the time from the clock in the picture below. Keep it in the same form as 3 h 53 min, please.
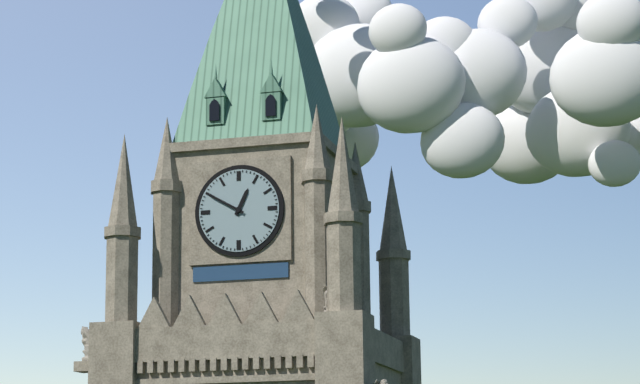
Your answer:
12 h 50 min
